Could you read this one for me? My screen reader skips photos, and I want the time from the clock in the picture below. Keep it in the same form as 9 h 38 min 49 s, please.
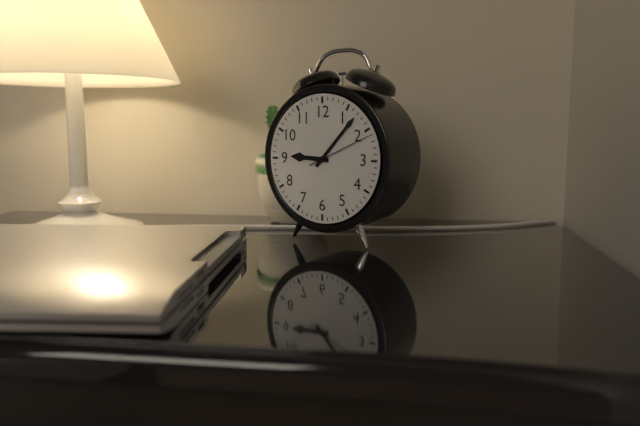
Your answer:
9 h 07 min 11 s
